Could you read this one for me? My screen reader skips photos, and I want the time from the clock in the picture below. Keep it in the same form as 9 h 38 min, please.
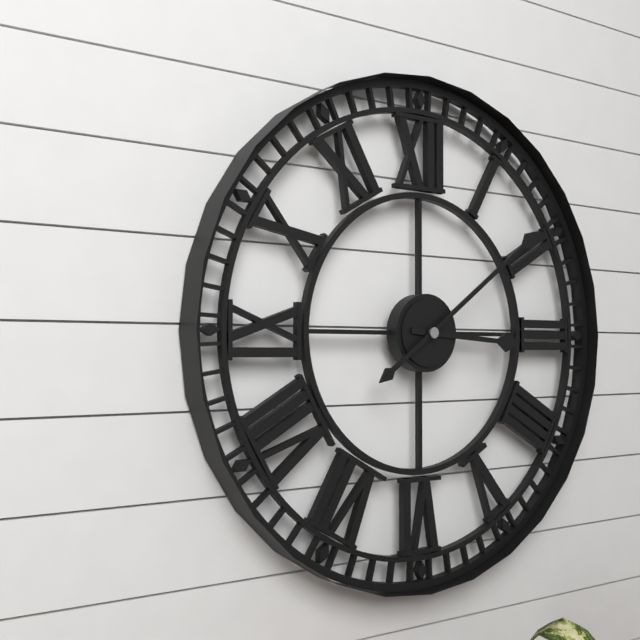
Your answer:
3 h 09 min
